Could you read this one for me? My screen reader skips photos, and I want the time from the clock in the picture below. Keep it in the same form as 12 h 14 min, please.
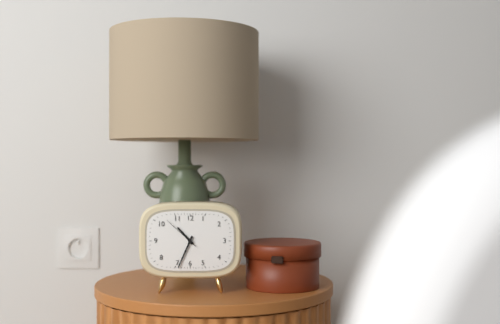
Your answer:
10 h 34 min
